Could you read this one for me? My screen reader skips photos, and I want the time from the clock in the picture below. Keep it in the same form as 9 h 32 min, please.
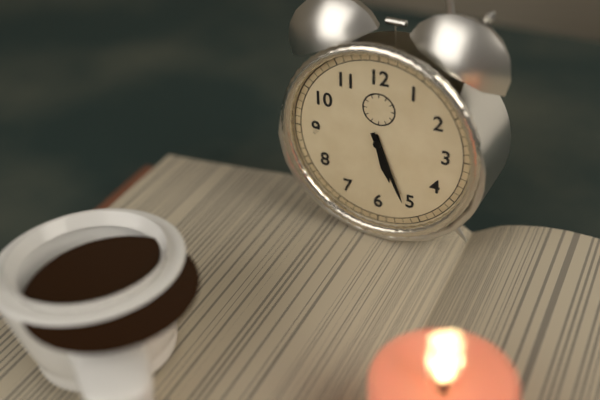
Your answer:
5 h 26 min
